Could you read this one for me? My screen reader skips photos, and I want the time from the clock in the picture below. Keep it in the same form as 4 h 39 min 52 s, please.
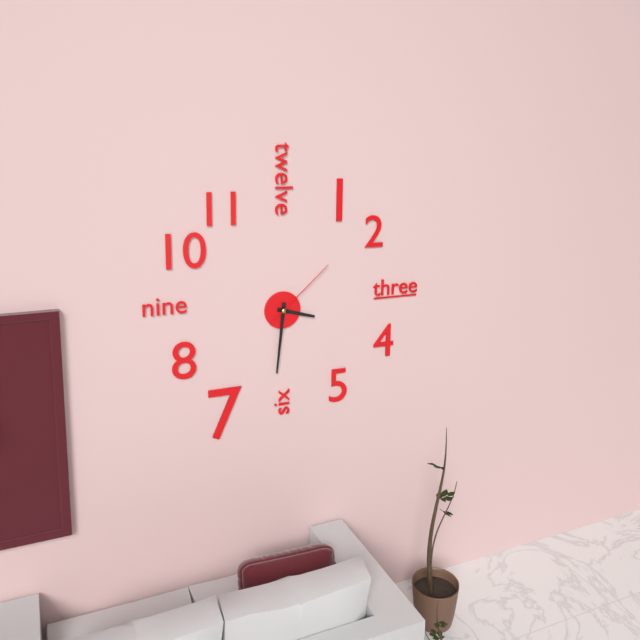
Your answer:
3 h 31 min 08 s
